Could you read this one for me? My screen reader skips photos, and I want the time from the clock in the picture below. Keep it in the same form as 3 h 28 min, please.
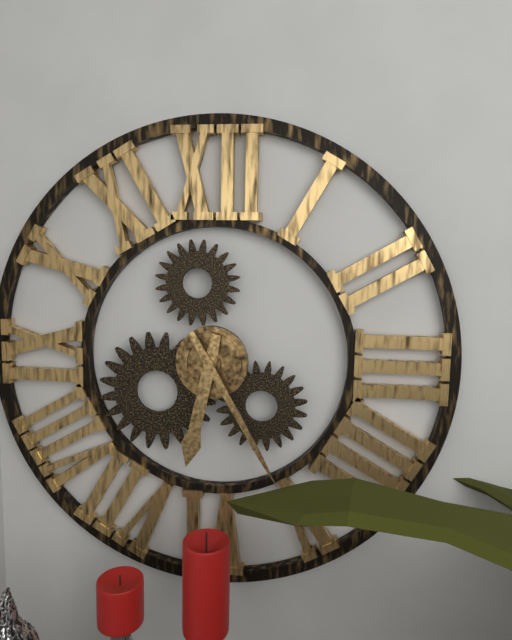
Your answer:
6 h 25 min
